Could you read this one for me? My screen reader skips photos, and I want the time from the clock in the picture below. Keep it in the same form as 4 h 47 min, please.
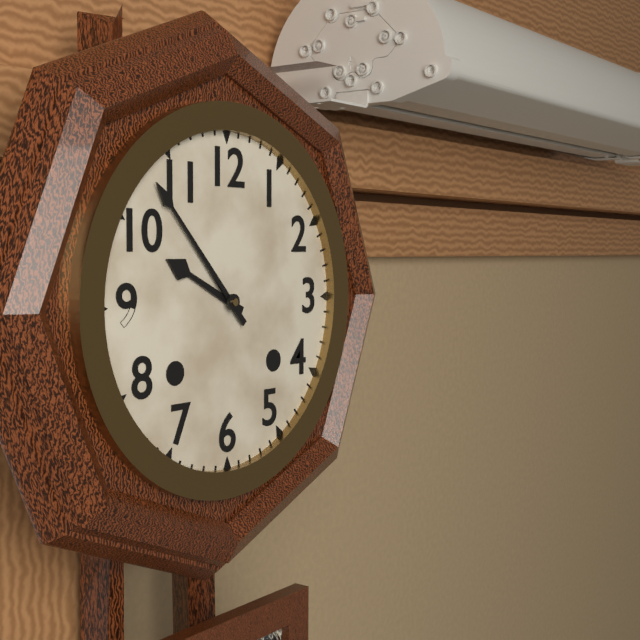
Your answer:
9 h 53 min
